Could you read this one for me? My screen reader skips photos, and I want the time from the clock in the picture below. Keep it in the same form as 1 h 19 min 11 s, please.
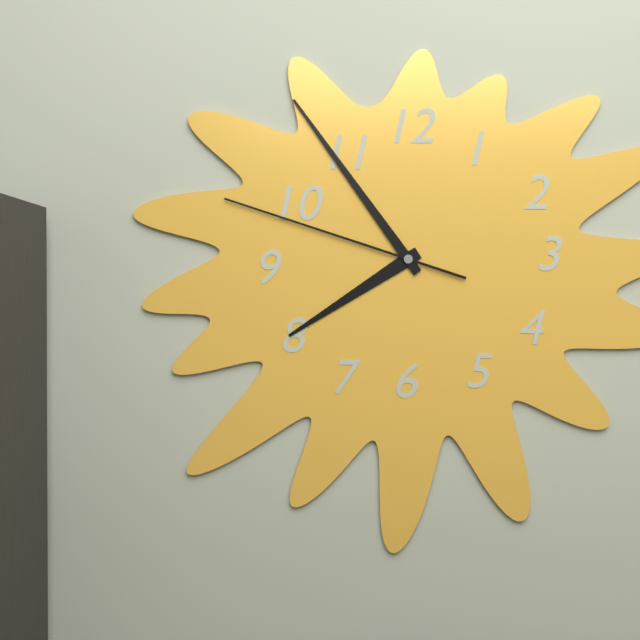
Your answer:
7 h 54 min 48 s
